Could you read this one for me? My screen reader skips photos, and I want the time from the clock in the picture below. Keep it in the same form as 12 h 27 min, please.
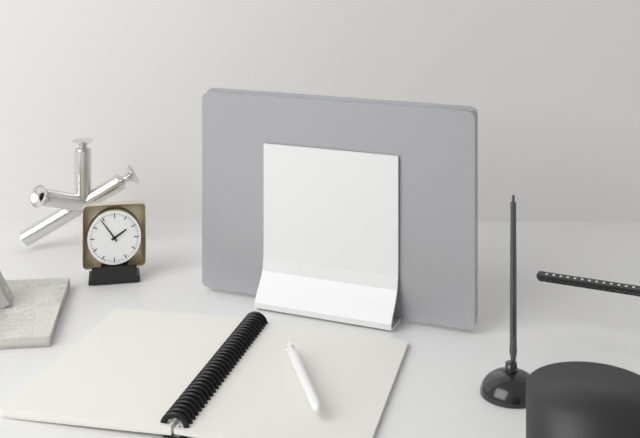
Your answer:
1 h 54 min
